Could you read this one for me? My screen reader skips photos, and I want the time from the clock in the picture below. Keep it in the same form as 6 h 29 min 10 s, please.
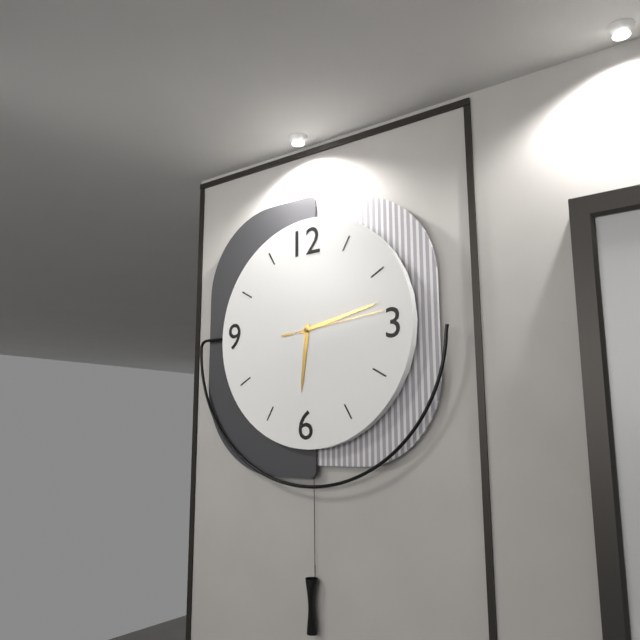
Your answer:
6 h 13 min 14 s
